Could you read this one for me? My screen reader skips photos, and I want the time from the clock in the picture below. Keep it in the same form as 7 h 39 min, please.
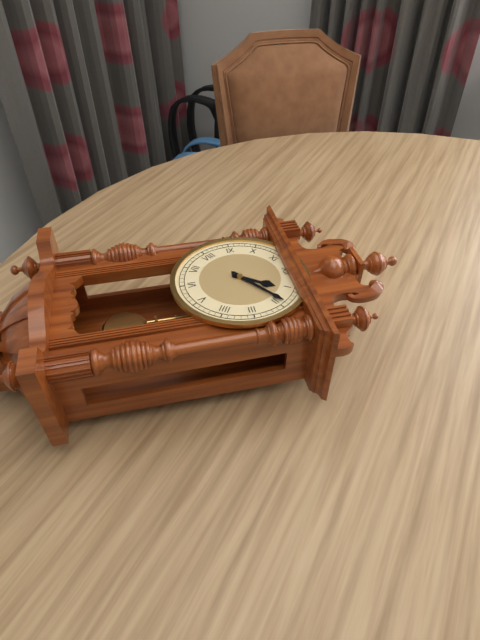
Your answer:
1 h 09 min
